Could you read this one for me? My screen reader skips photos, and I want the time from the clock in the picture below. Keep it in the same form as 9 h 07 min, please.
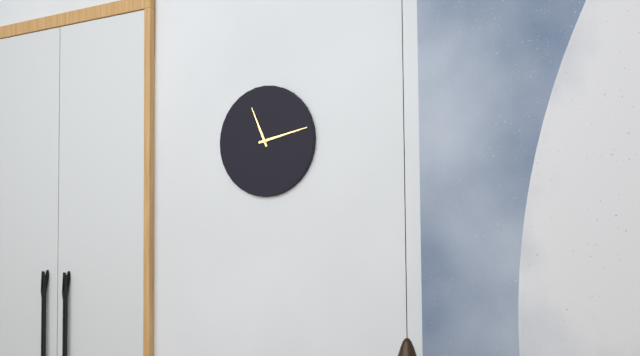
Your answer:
11 h 13 min
